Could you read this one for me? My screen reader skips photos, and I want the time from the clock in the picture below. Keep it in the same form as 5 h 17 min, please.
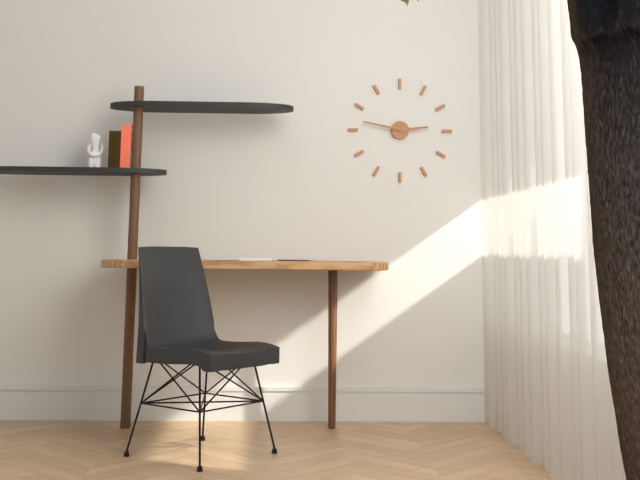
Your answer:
2 h 47 min
